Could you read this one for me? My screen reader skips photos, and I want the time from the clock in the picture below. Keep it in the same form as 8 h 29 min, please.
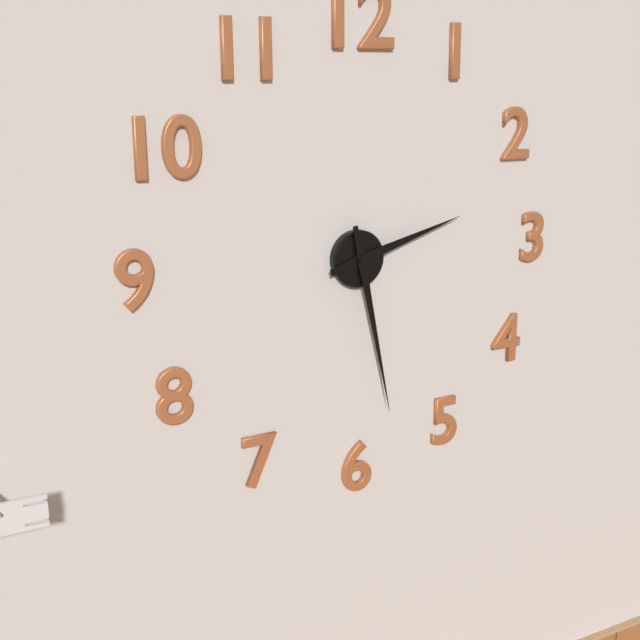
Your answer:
2 h 28 min
